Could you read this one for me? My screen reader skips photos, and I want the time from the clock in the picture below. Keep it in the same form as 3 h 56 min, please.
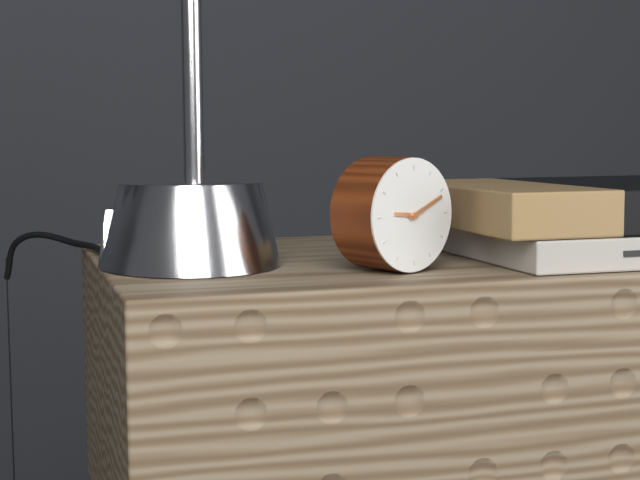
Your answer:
9 h 11 min
